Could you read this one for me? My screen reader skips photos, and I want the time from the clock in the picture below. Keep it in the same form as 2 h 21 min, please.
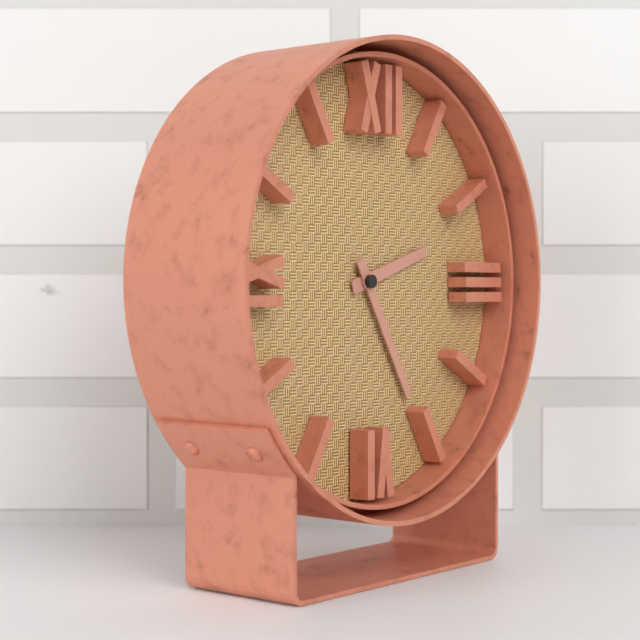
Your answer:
2 h 25 min
